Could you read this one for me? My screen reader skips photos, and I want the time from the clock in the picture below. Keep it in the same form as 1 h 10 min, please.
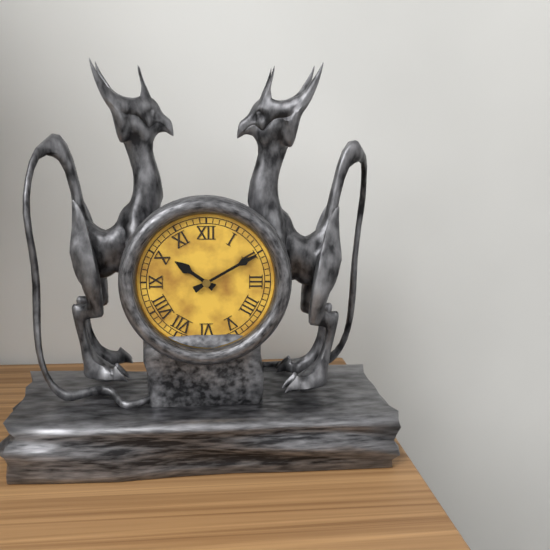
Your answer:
10 h 10 min
